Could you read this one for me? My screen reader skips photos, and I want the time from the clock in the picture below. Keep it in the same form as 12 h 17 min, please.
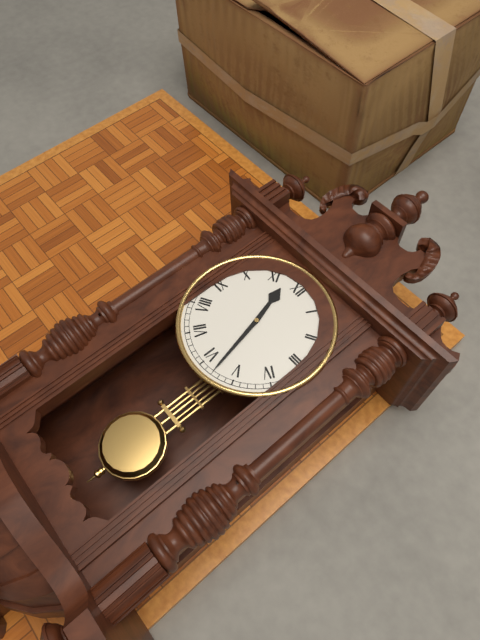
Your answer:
11 h 28 min
